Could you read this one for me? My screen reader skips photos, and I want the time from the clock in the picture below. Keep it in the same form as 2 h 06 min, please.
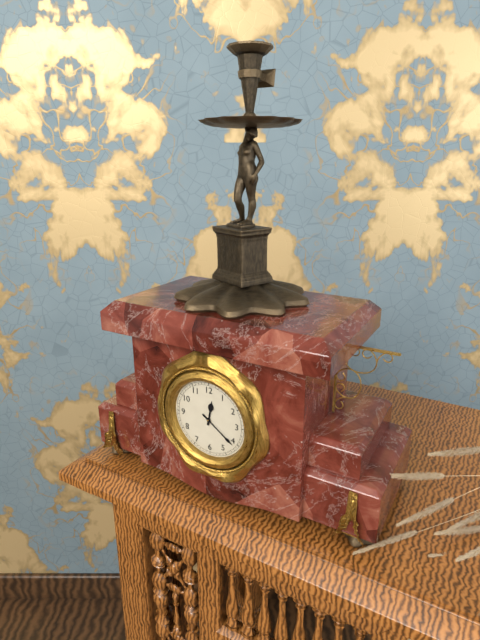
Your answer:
12 h 21 min
